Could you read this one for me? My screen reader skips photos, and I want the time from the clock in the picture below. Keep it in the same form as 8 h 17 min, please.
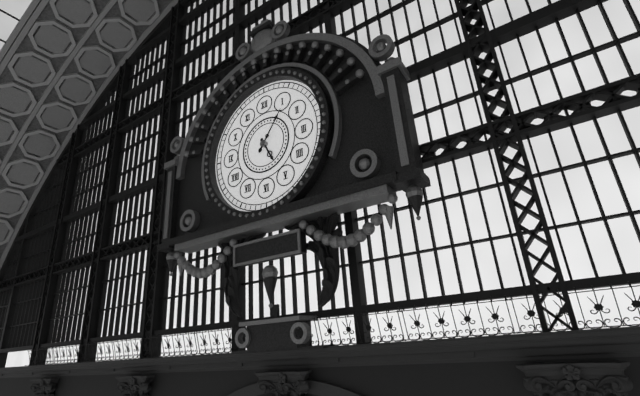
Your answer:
5 h 06 min
